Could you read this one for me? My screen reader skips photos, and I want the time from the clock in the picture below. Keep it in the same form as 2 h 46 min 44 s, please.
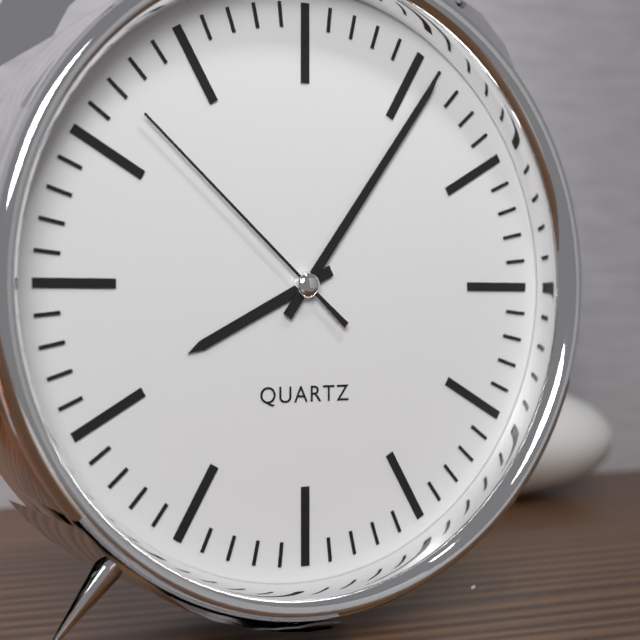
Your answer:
8 h 06 min 52 s
